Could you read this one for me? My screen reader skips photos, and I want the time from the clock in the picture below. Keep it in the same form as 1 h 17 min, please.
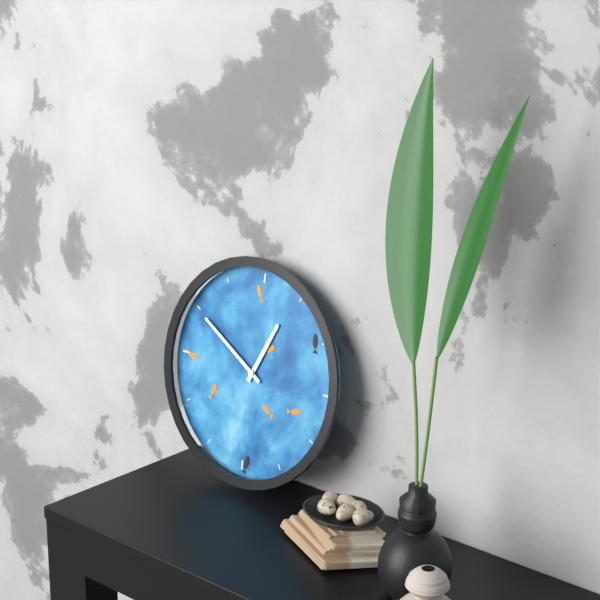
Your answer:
12 h 50 min
